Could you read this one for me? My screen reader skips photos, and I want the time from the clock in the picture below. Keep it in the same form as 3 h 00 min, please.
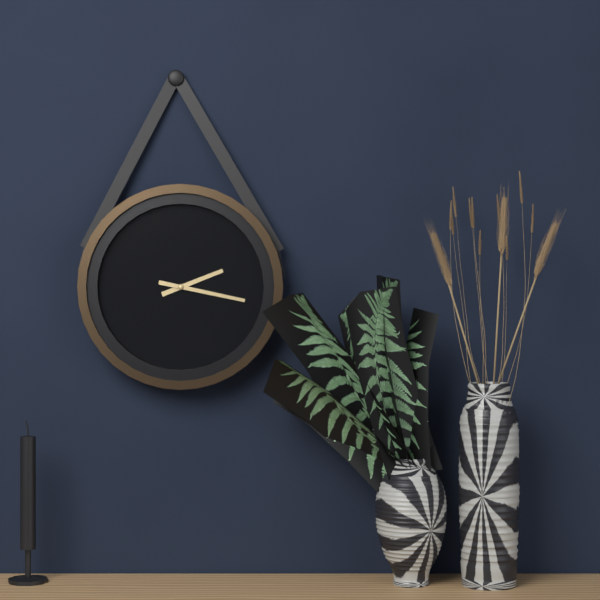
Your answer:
2 h 17 min
